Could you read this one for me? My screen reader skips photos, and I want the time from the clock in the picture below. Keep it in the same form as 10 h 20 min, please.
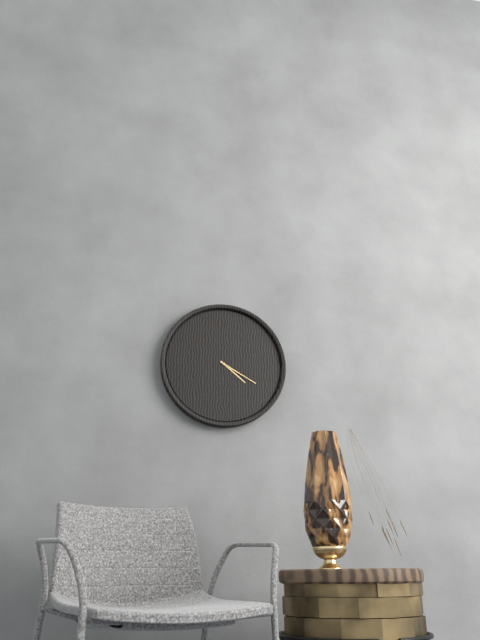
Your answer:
4 h 20 min
